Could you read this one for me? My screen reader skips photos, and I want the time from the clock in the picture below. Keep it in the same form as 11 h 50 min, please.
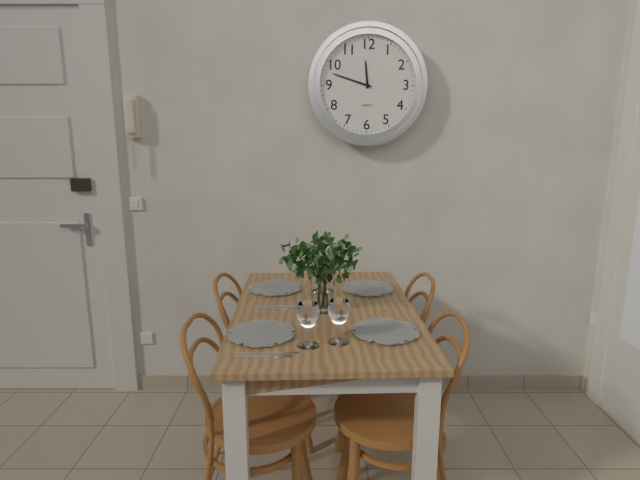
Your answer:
11 h 48 min
